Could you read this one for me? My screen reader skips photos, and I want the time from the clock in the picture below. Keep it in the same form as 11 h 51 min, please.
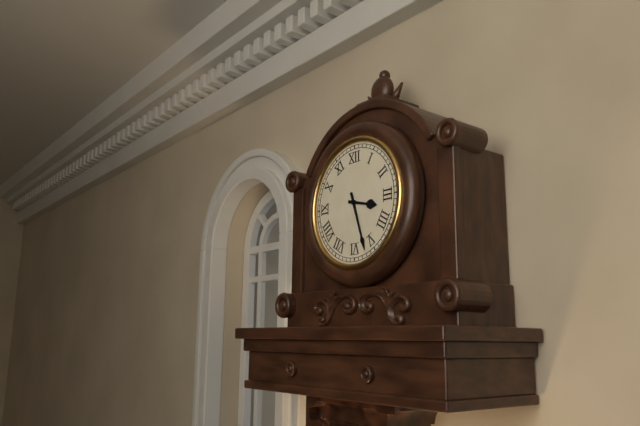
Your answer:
3 h 27 min
